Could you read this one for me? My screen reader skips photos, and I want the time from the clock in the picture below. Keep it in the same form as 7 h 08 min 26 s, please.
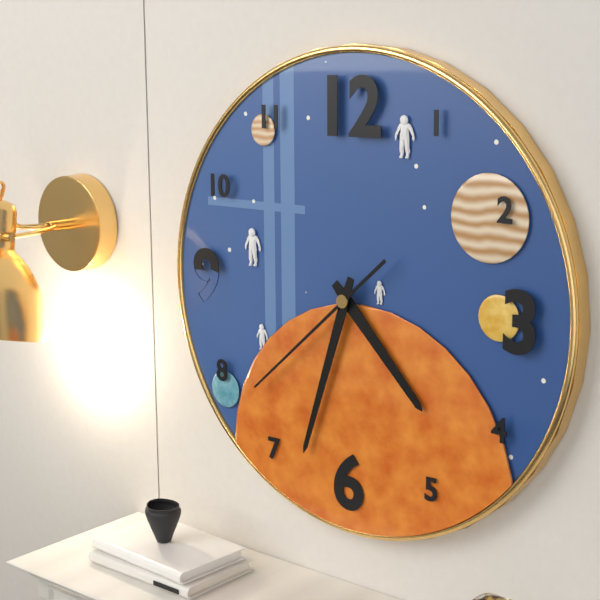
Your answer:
4 h 33 min 38 s
